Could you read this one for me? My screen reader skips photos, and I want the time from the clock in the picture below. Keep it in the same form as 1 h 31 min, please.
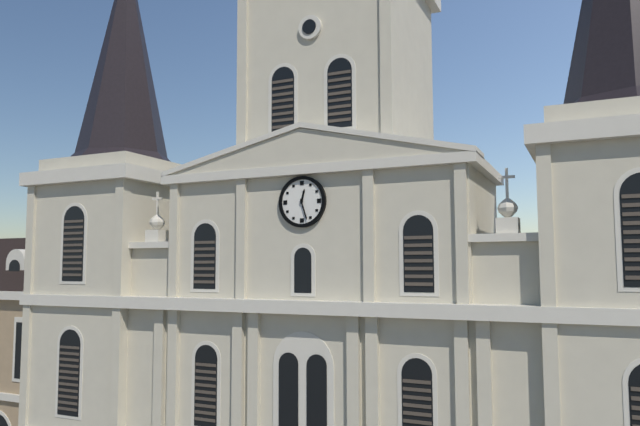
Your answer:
12 h 27 min
